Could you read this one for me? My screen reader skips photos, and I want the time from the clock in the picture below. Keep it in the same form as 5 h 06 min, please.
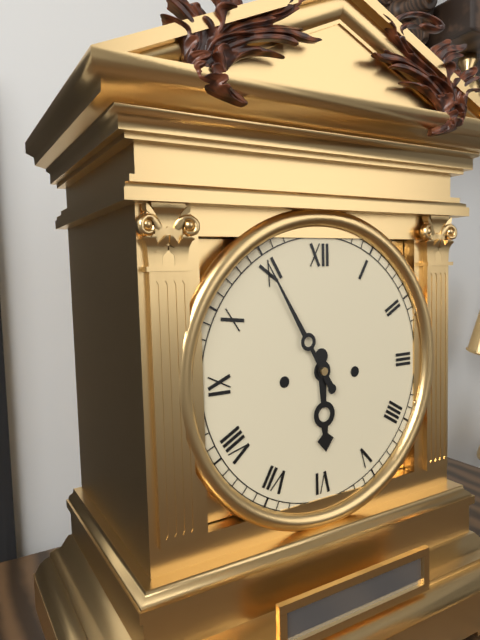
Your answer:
5 h 55 min
